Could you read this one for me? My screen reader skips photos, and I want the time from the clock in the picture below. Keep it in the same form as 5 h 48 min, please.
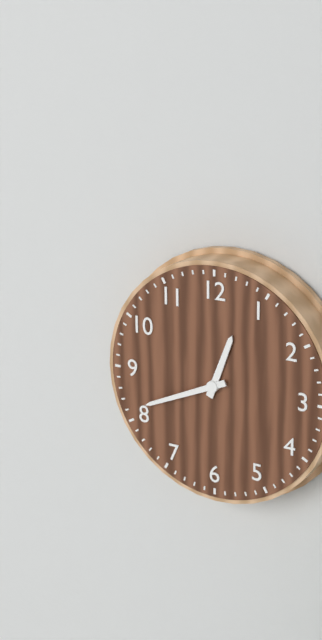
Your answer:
12 h 41 min
